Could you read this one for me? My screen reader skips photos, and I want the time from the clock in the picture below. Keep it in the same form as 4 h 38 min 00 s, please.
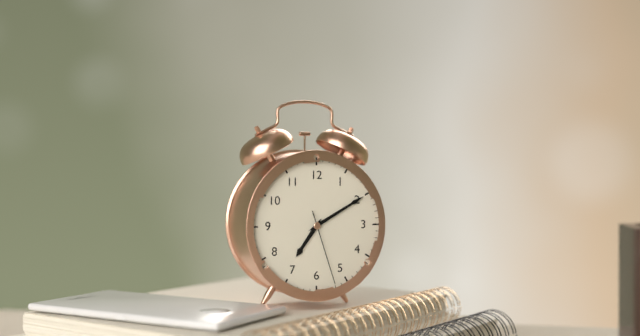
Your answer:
7 h 10 min 27 s
